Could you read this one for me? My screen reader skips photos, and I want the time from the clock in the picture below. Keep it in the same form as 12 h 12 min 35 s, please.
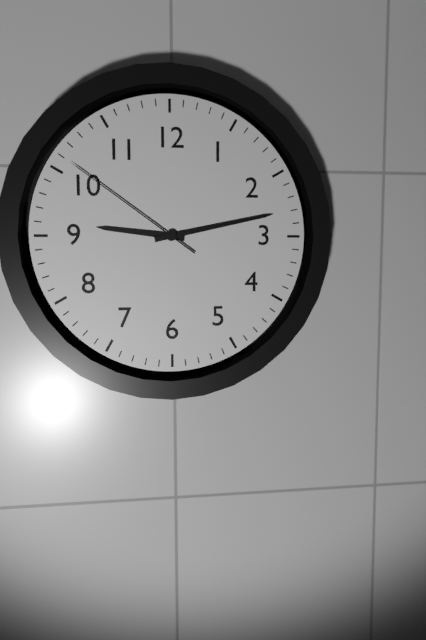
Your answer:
9 h 13 min 51 s
